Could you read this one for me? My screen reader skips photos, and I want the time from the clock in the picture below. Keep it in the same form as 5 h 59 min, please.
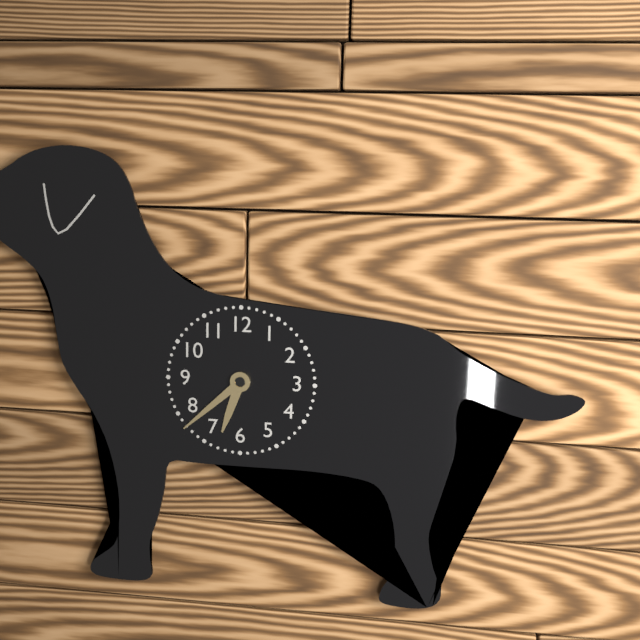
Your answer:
6 h 38 min
